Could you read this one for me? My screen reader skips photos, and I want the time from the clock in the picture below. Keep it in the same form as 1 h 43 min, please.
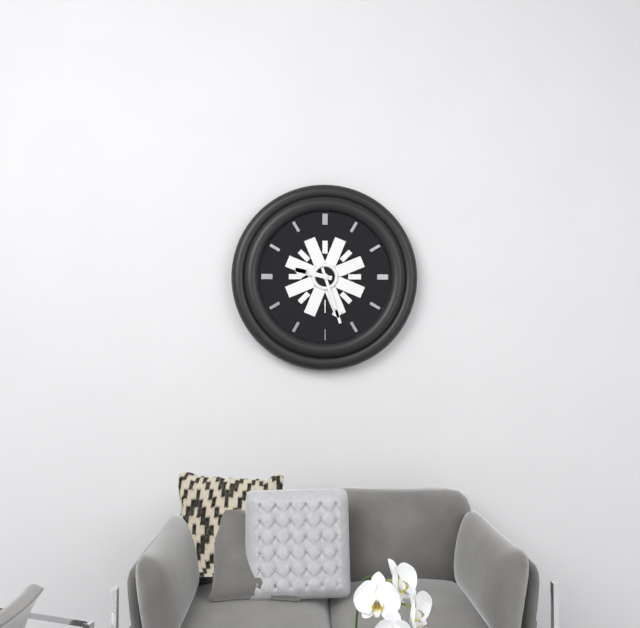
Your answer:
9 h 27 min
